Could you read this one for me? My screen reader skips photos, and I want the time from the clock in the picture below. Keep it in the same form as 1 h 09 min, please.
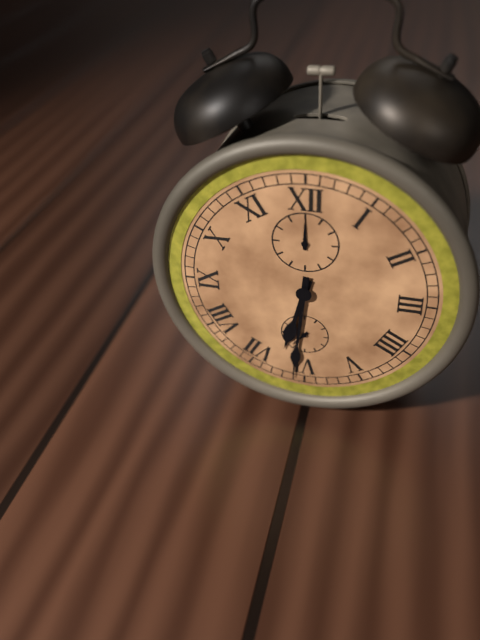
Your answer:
6 h 31 min
